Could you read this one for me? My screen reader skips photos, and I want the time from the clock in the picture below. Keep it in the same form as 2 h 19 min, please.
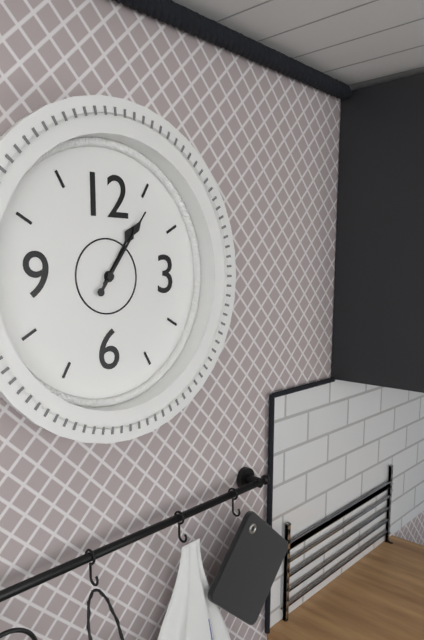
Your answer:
1 h 06 min
